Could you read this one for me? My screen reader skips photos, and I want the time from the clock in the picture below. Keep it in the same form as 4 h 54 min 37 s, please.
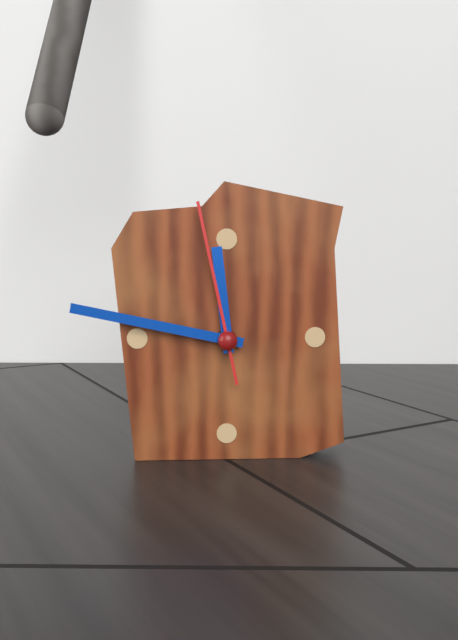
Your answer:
11 h 47 min 58 s
